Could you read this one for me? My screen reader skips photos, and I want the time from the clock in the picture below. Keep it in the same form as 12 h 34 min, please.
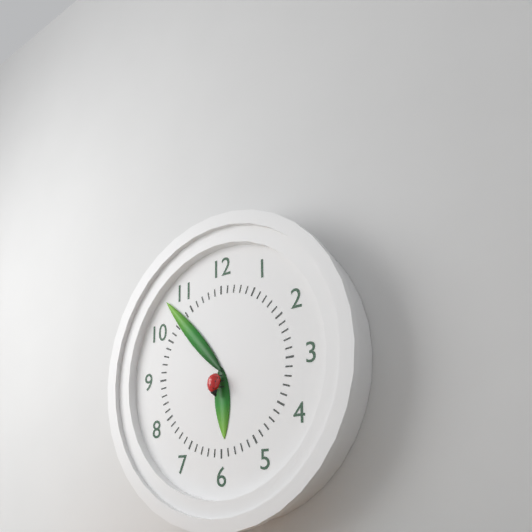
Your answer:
5 h 53 min
